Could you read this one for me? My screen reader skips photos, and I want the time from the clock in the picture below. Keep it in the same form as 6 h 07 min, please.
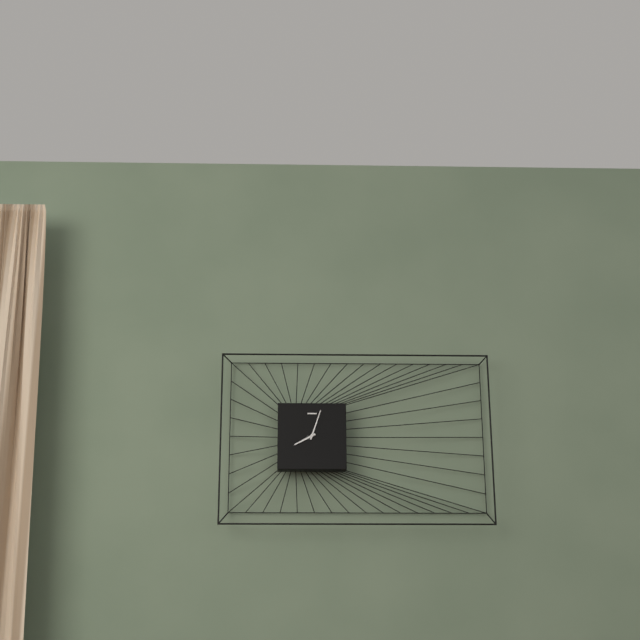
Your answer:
8 h 03 min
